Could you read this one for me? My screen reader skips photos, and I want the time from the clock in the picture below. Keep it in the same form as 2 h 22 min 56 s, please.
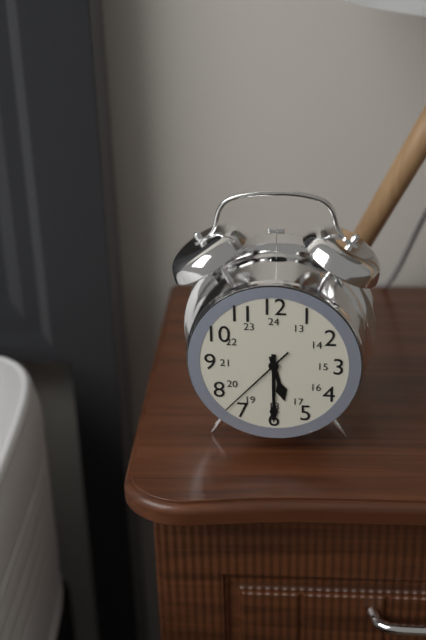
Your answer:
5 h 30 min 37 s
